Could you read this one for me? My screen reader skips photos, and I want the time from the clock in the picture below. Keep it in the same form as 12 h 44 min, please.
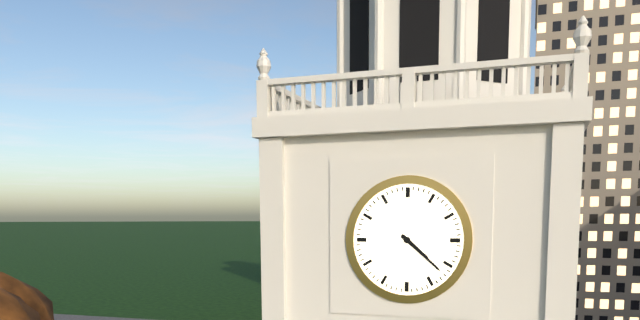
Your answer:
4 h 22 min
